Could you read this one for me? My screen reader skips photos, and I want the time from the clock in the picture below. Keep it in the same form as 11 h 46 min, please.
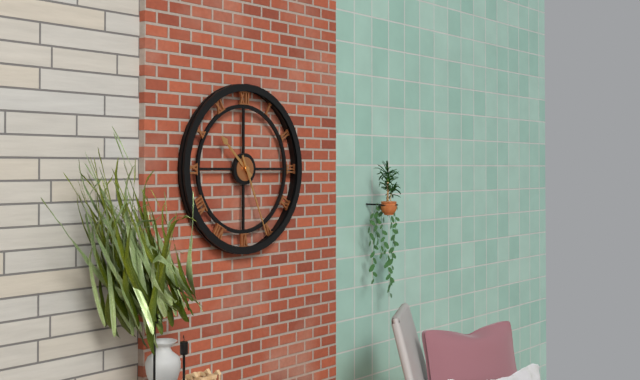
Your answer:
10 h 26 min
